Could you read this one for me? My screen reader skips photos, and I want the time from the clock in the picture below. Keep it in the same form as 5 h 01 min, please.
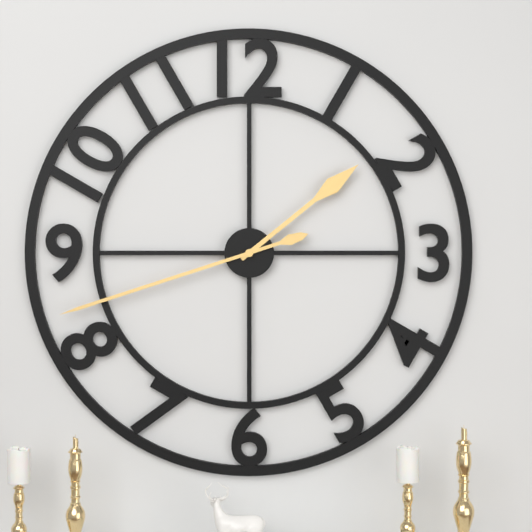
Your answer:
1 h 42 min
